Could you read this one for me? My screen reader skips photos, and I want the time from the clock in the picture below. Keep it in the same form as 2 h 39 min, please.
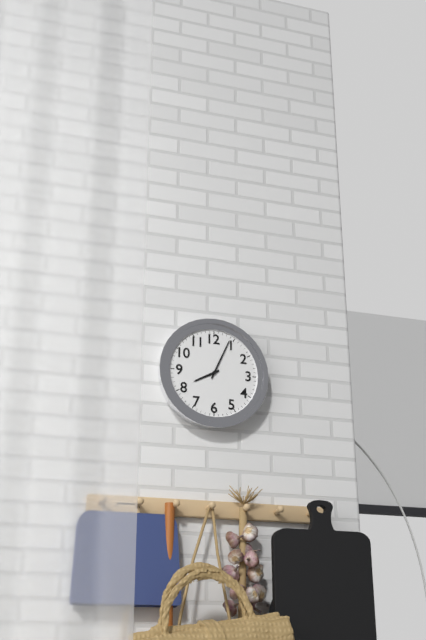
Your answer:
8 h 04 min
